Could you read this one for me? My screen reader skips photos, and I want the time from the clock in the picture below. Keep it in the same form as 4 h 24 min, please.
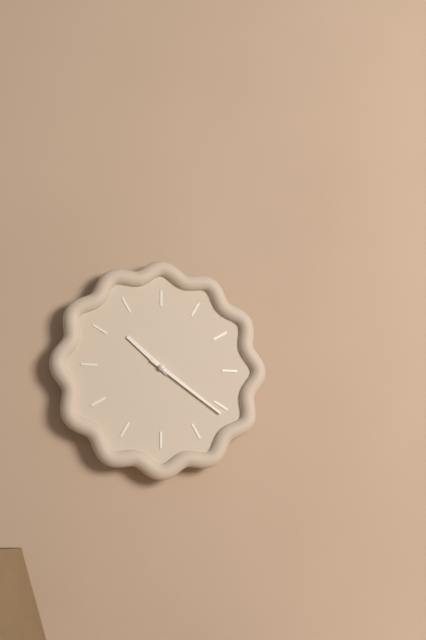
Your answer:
10 h 21 min
